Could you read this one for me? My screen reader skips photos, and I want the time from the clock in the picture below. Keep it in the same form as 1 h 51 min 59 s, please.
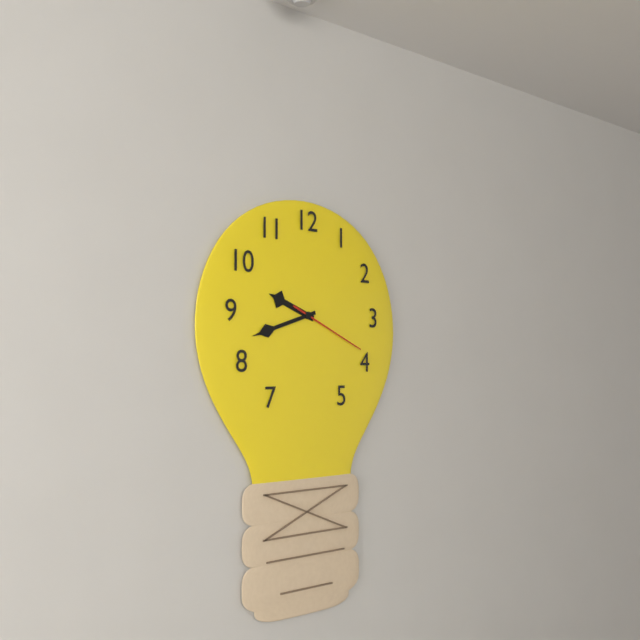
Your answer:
9 h 42 min 19 s
